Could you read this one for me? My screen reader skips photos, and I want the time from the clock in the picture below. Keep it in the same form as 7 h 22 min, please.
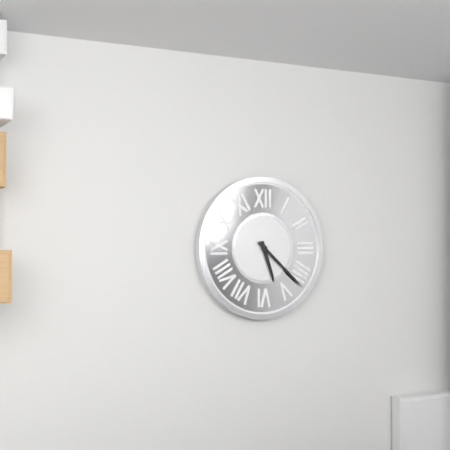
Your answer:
5 h 22 min
